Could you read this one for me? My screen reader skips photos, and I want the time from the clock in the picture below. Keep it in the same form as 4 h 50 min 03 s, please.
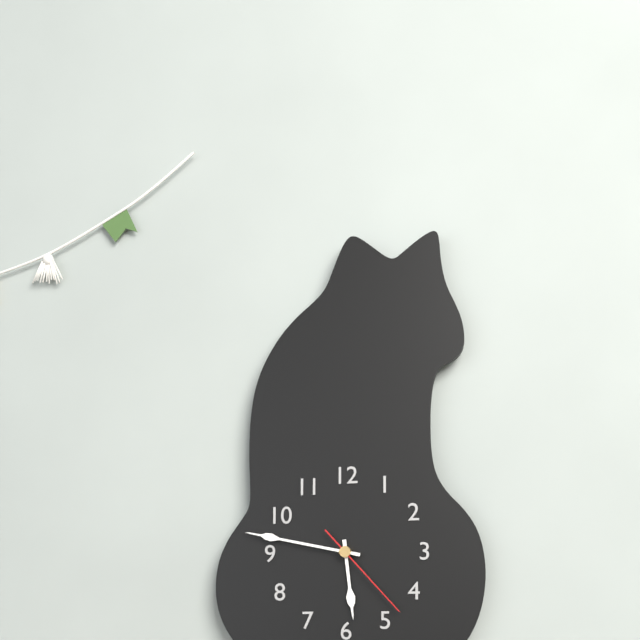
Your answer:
5 h 47 min 23 s
